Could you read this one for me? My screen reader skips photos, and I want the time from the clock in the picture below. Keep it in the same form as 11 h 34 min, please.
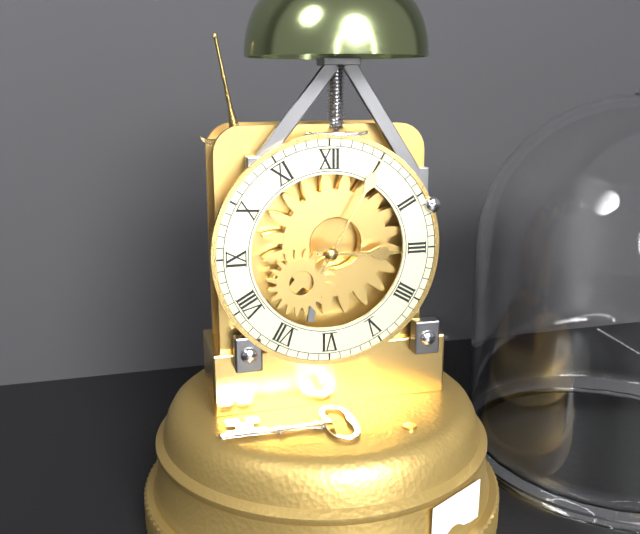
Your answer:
3 h 05 min
